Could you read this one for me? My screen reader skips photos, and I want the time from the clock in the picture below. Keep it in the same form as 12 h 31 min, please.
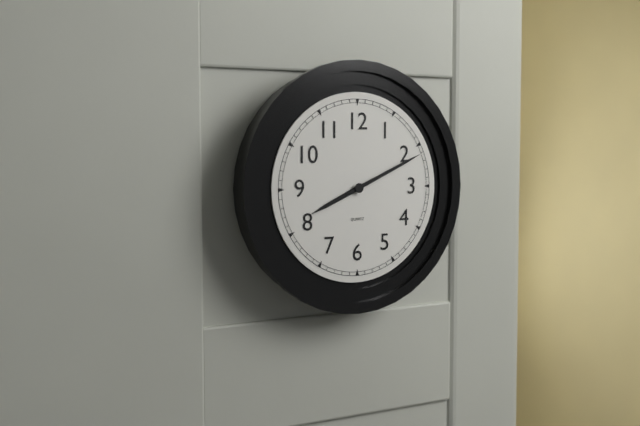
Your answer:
8 h 11 min
